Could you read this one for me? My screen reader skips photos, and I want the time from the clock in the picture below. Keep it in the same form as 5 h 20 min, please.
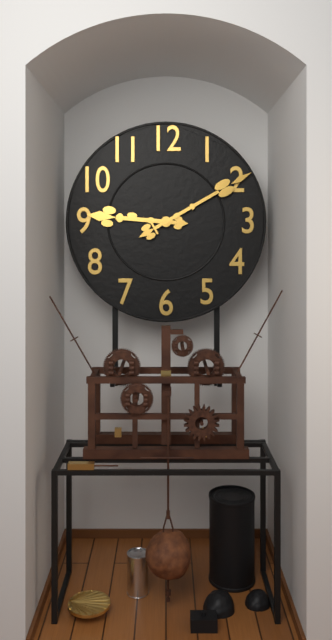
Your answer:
9 h 10 min
